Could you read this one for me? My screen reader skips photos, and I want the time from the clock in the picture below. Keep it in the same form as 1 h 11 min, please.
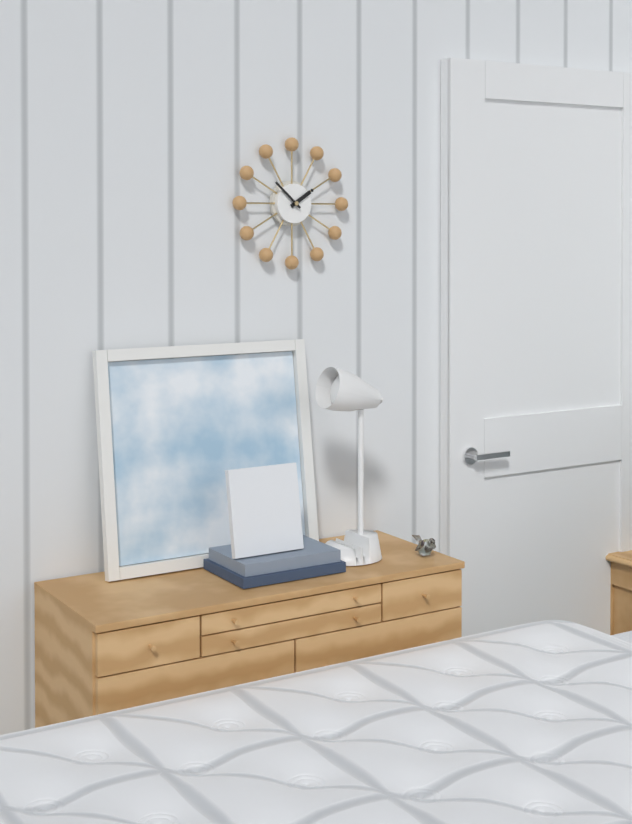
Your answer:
1 h 52 min
